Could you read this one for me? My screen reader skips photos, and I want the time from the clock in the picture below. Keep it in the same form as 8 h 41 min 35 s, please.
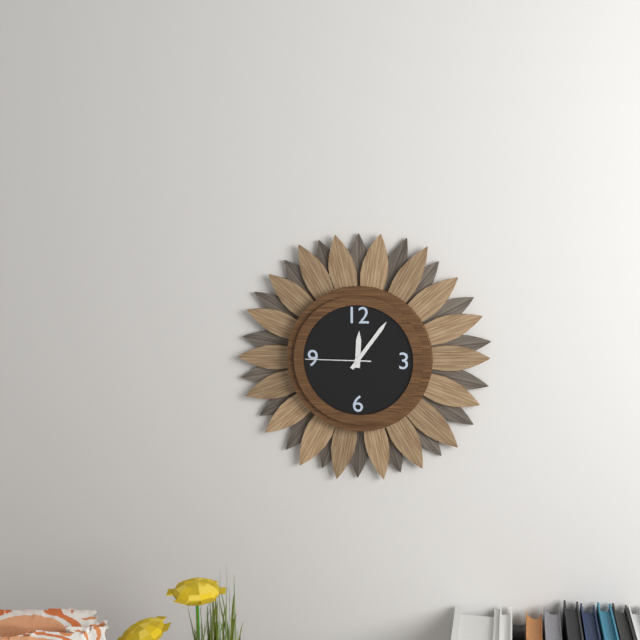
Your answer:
12 h 06 min 45 s
